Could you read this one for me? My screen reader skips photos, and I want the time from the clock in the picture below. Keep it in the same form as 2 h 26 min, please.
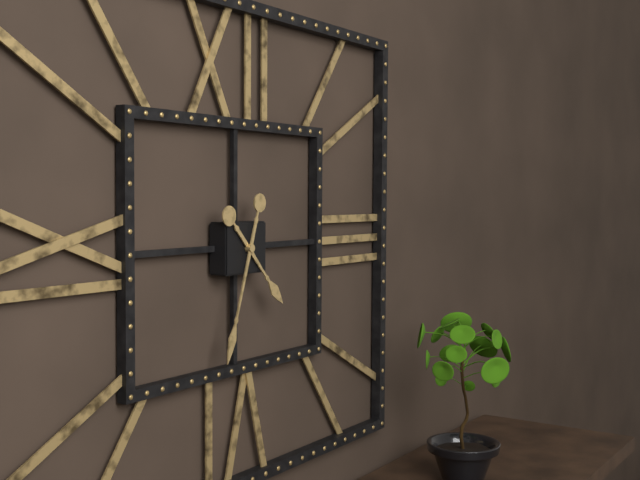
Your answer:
4 h 33 min
